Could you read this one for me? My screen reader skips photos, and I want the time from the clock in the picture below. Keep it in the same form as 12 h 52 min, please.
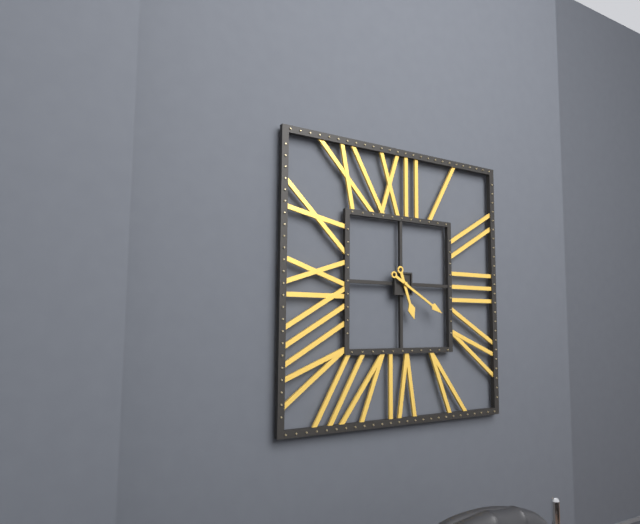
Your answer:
5 h 20 min
